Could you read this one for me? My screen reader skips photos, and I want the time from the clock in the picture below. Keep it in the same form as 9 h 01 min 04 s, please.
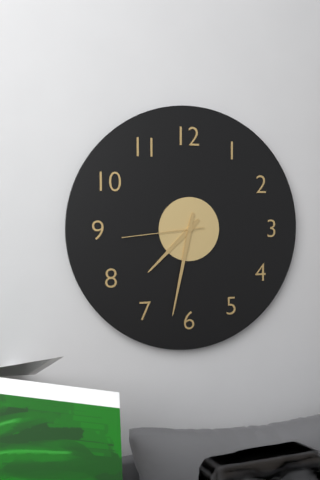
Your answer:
7 h 32 min 44 s
